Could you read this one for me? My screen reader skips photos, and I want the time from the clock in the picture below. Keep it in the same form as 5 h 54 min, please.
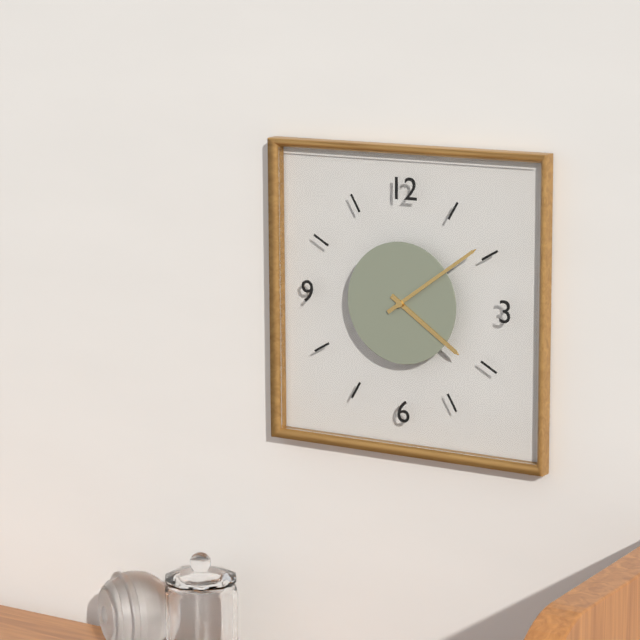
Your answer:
4 h 09 min
